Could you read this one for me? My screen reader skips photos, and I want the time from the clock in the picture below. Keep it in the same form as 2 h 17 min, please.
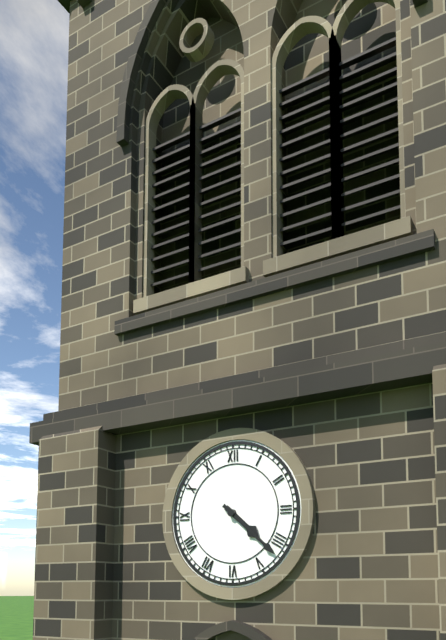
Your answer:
4 h 22 min
